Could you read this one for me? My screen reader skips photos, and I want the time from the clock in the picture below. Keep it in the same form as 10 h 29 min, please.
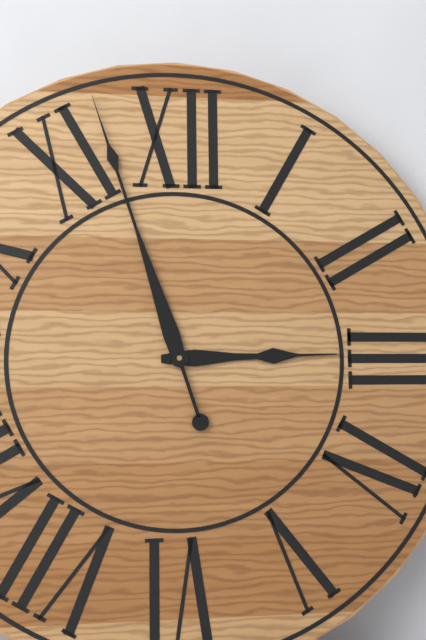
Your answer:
2 h 57 min
